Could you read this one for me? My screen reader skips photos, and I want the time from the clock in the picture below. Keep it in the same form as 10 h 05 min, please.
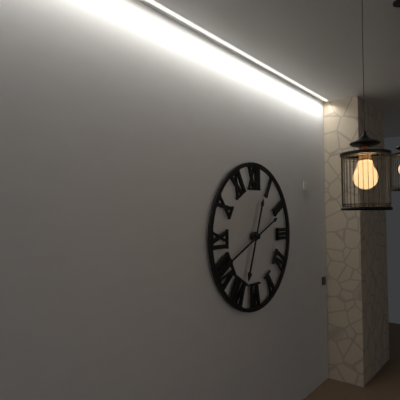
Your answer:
6 h 41 min
